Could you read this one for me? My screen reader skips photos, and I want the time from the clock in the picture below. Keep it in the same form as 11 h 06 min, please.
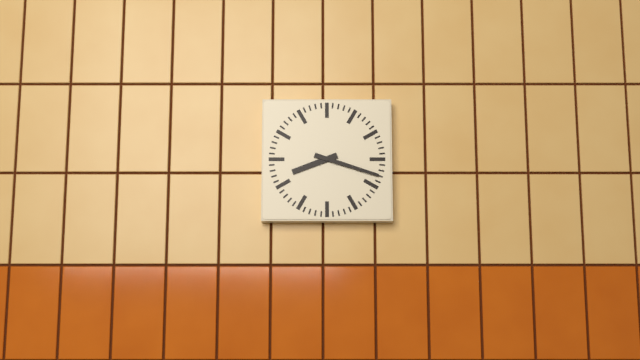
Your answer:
8 h 18 min
